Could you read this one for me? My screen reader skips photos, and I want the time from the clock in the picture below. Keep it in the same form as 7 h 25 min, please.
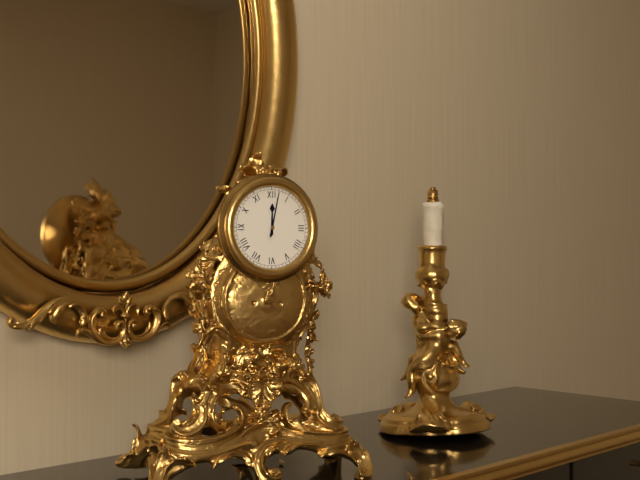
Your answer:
12 h 02 min
